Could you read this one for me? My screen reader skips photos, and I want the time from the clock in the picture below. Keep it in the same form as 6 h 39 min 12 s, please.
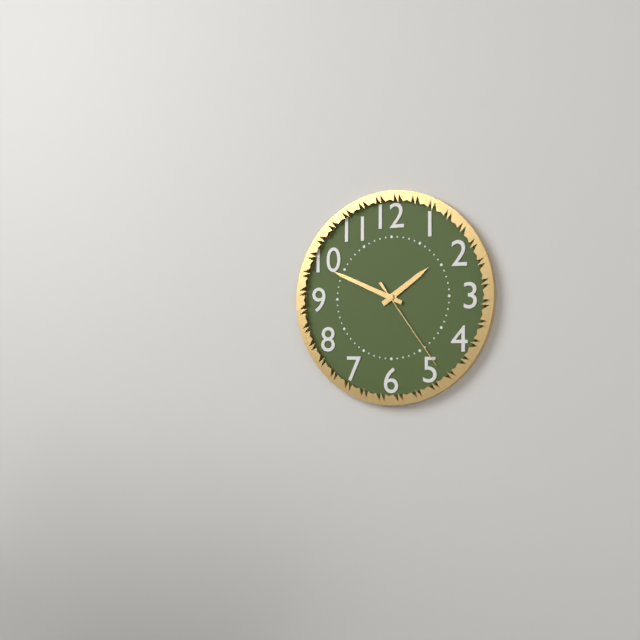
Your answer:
1 h 49 min 24 s
